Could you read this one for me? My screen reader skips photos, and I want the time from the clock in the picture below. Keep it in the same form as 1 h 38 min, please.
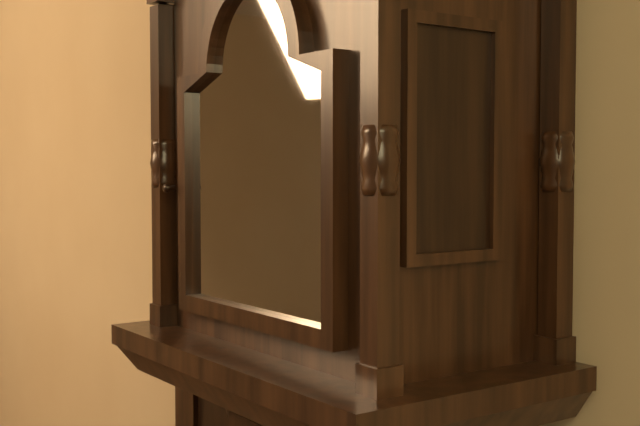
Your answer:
9 h 52 min
